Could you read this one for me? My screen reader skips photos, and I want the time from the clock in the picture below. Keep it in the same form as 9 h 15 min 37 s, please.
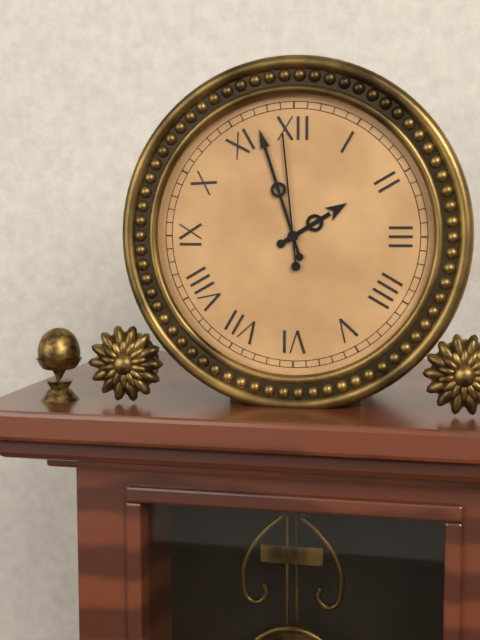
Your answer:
1 h 57 min 59 s
